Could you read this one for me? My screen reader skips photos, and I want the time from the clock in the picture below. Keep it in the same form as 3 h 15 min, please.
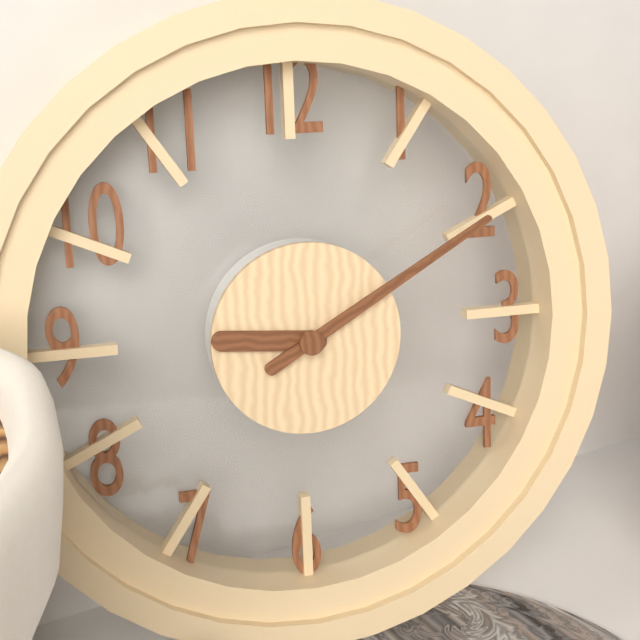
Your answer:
9 h 10 min
